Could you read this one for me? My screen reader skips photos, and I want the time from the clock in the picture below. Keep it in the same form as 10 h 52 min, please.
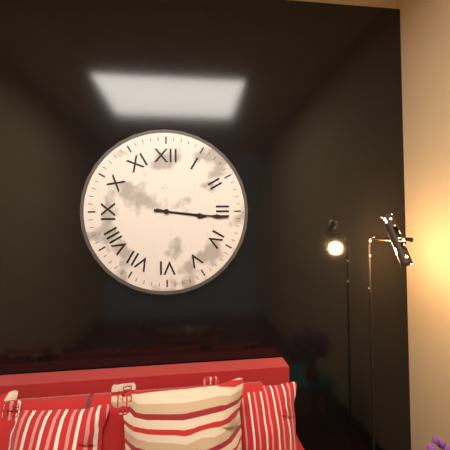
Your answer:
3 h 16 min
